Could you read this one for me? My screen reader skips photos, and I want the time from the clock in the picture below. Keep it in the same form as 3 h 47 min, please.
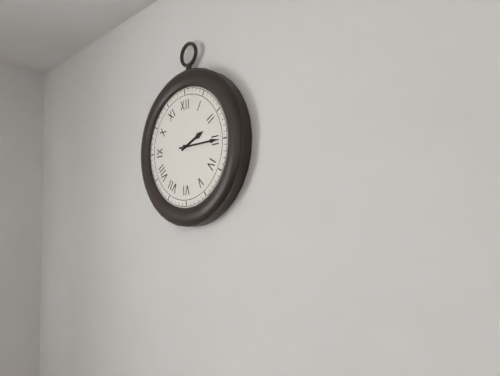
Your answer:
2 h 15 min
